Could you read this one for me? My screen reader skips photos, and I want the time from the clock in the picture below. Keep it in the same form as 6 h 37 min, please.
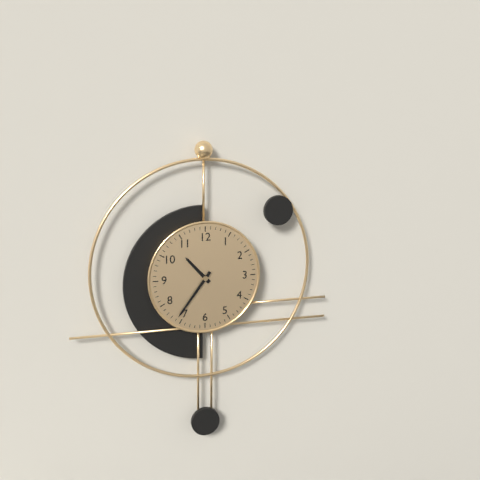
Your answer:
10 h 36 min
